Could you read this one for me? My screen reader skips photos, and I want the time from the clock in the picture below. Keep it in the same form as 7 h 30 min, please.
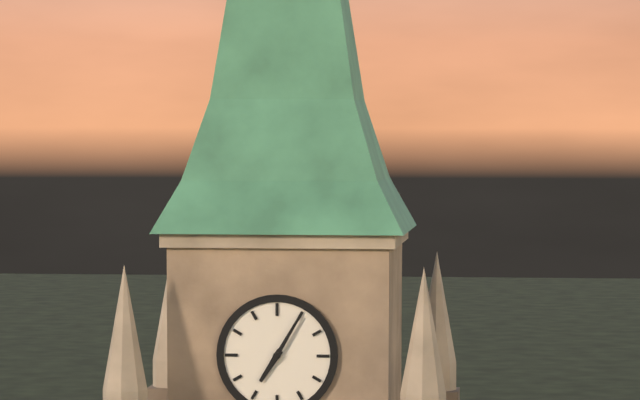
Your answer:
7 h 05 min
